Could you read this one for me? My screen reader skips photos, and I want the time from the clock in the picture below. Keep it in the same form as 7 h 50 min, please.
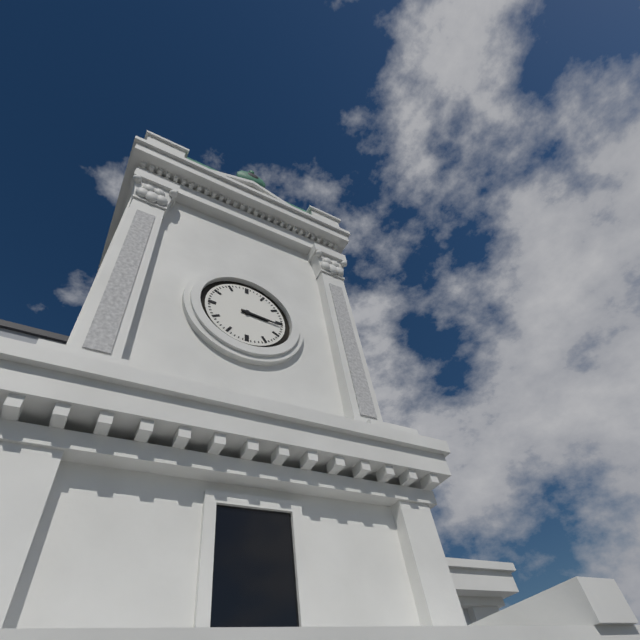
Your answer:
3 h 16 min
